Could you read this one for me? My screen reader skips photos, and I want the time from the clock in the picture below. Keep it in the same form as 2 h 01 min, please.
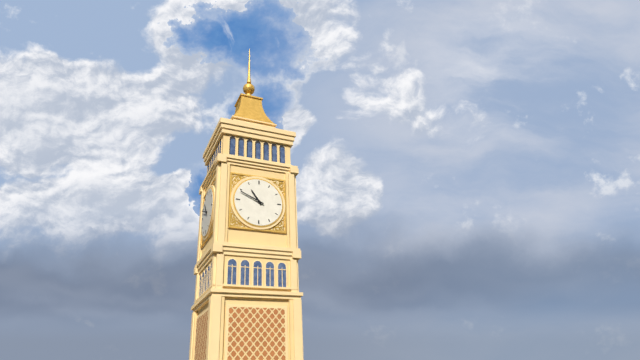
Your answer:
10 h 49 min
